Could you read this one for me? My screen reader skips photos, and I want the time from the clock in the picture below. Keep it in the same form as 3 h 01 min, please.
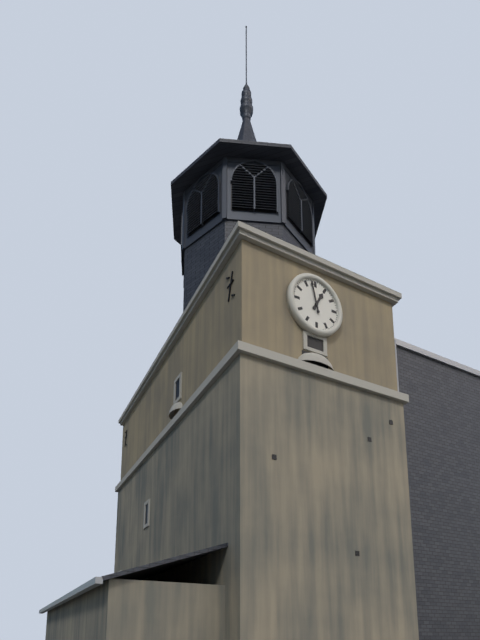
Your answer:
12 h 58 min
